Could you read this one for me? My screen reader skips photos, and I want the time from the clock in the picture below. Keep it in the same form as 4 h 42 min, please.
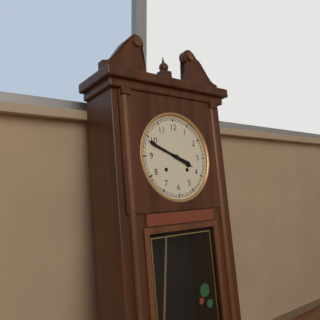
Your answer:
3 h 49 min
